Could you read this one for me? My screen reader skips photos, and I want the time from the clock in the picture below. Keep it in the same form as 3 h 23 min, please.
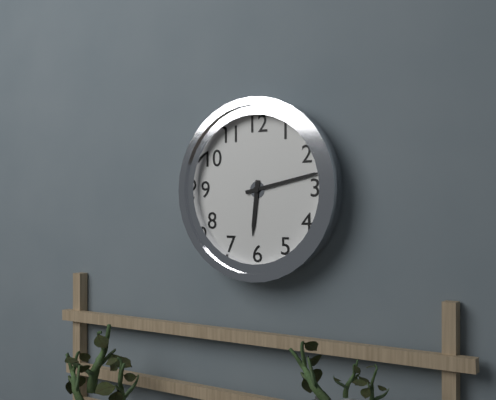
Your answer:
6 h 13 min
